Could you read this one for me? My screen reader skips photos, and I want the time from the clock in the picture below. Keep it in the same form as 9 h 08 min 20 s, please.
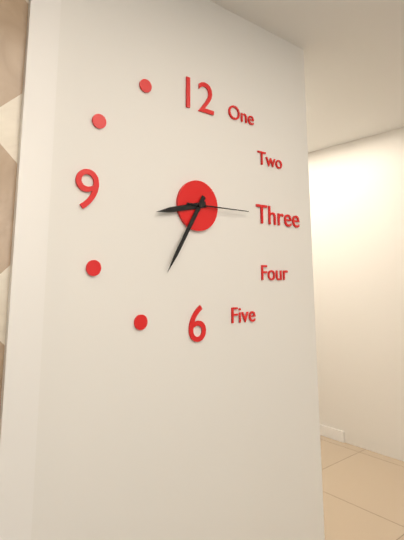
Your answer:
8 h 35 min 15 s
